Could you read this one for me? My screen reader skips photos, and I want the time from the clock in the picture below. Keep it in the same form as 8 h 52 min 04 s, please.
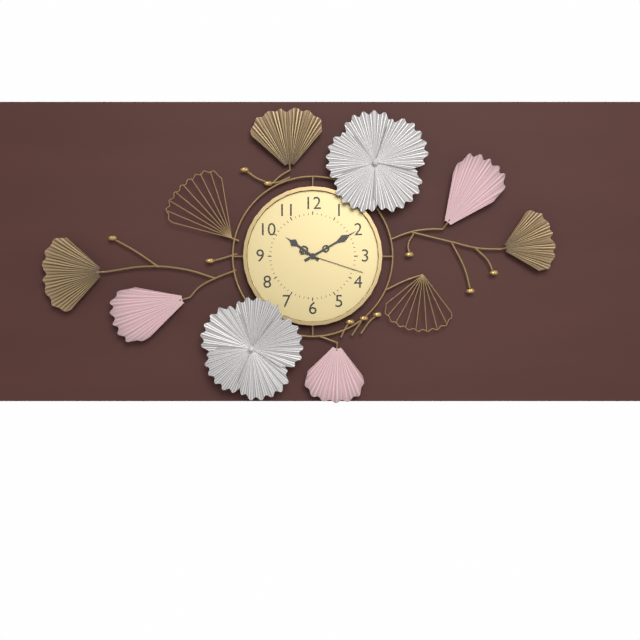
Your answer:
10 h 10 min 18 s
